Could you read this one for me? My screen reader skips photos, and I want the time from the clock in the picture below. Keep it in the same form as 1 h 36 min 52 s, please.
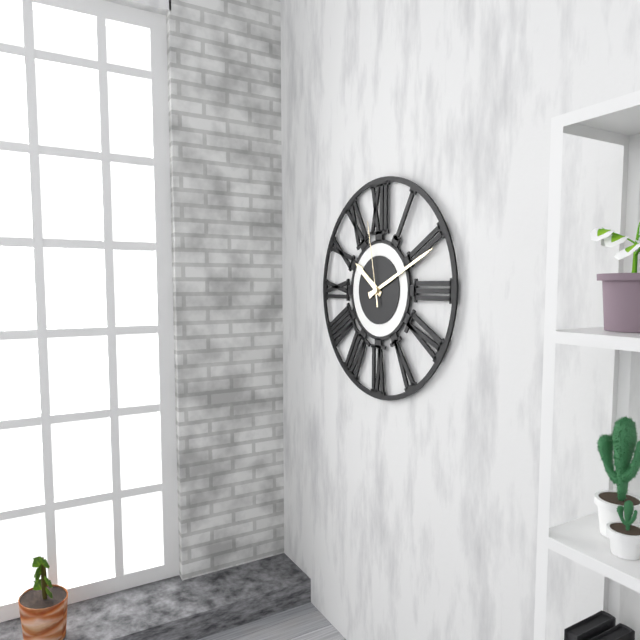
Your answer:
10 h 11 min 58 s
